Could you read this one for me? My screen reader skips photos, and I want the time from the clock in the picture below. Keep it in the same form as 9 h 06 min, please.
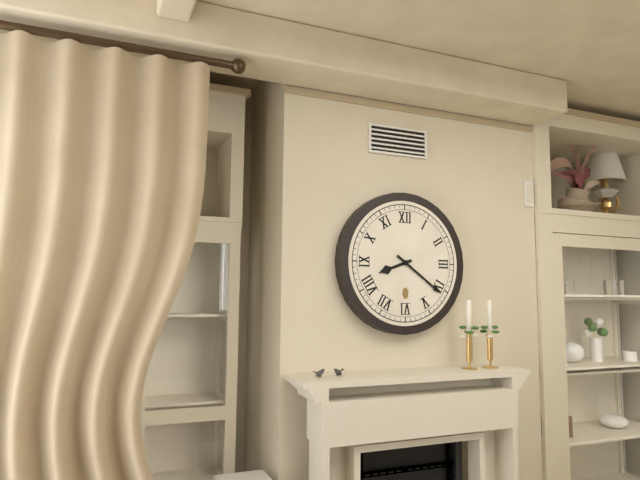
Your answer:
8 h 21 min
